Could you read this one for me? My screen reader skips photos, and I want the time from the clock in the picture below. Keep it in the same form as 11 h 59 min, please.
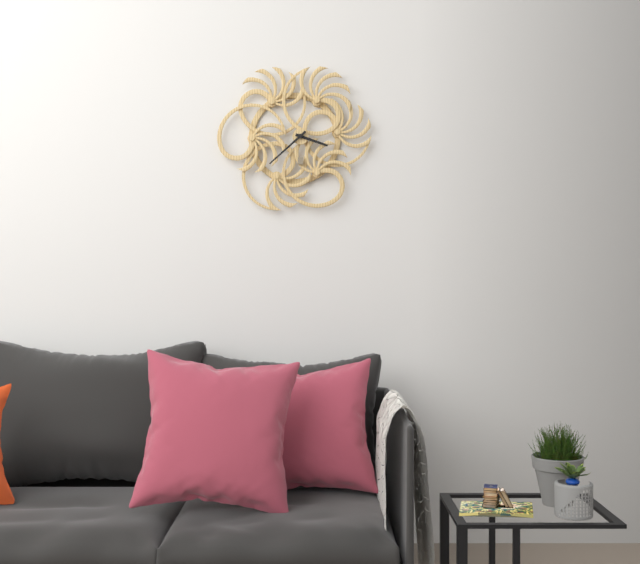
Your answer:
3 h 38 min
